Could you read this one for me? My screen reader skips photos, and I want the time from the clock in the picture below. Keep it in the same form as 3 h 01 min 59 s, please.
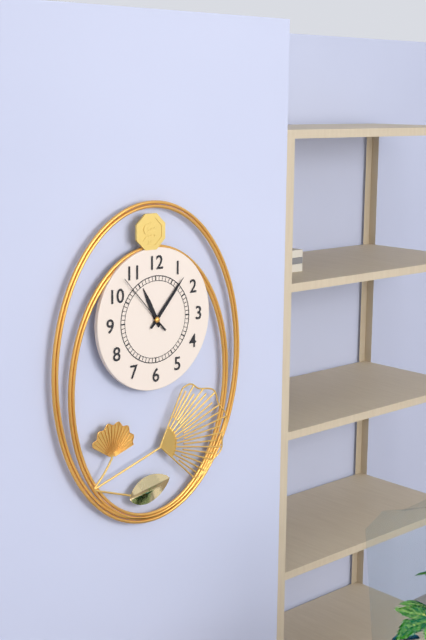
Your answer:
11 h 07 min 53 s
